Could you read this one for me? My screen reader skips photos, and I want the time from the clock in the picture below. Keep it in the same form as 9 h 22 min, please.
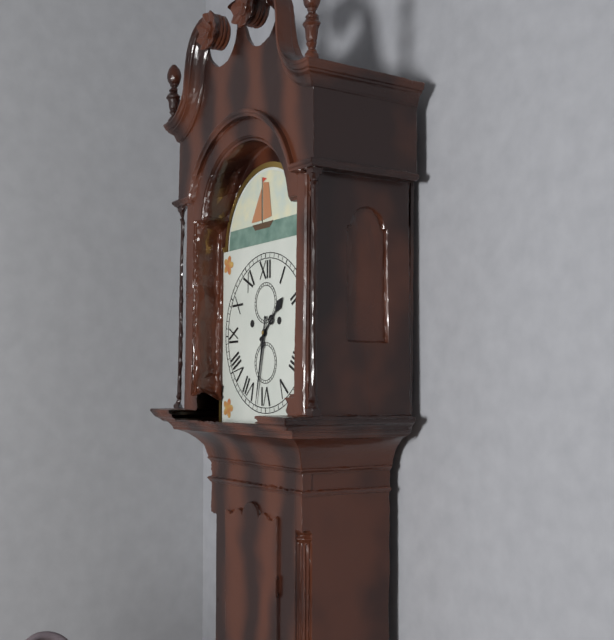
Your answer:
1 h 32 min
